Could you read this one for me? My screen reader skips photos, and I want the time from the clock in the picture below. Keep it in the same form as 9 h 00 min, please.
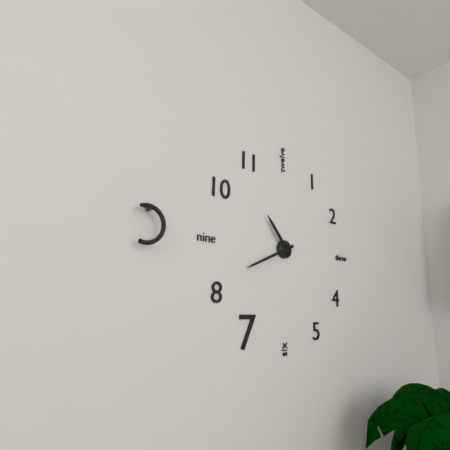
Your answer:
10 h 41 min
